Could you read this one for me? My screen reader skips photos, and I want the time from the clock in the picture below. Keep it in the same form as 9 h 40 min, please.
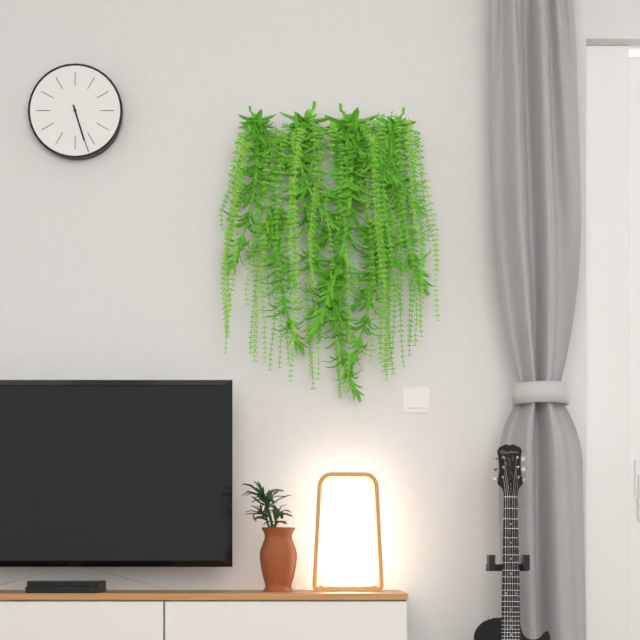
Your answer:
5 h 27 min
